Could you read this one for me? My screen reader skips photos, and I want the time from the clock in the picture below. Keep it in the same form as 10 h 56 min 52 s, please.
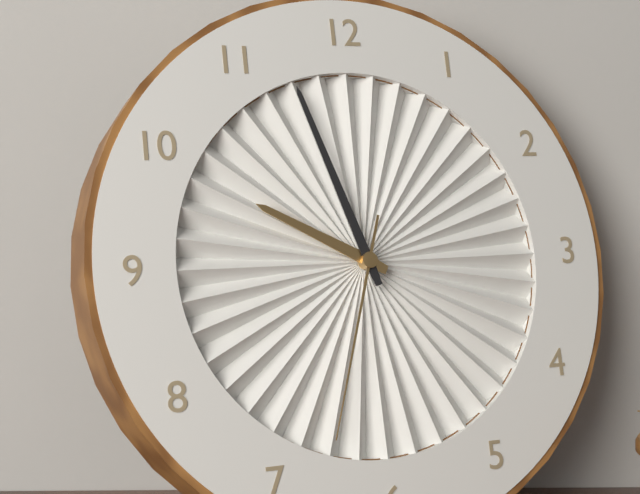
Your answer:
9 h 57 min 33 s
